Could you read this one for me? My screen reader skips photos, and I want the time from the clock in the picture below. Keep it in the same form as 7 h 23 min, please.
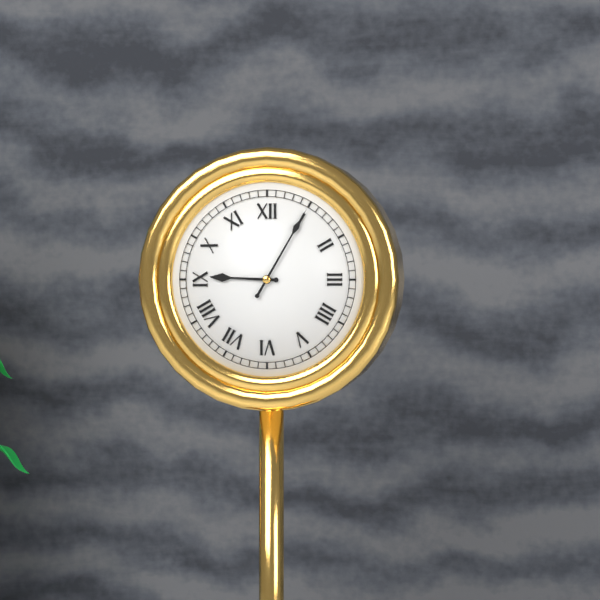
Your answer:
9 h 05 min
